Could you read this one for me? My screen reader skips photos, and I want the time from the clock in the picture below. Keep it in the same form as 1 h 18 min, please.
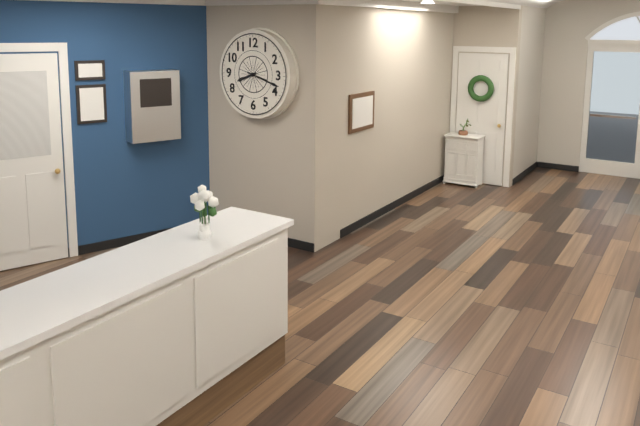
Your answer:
8 h 18 min
